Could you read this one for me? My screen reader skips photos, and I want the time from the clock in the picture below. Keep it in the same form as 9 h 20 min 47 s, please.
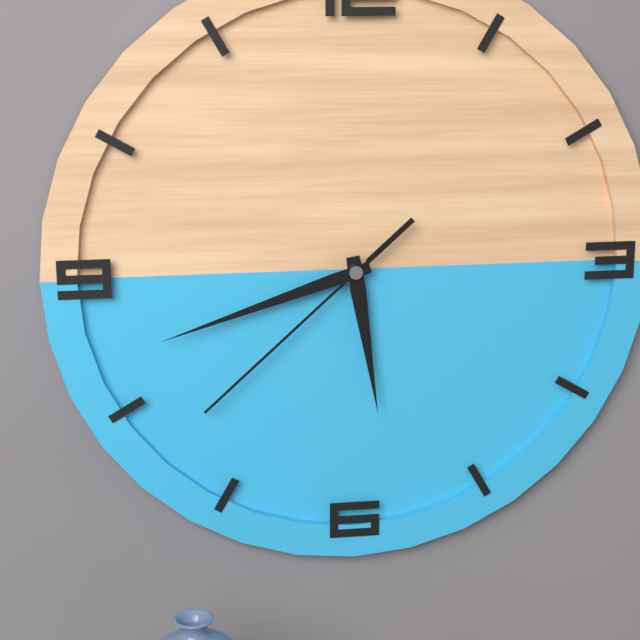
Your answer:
5 h 42 min 38 s
